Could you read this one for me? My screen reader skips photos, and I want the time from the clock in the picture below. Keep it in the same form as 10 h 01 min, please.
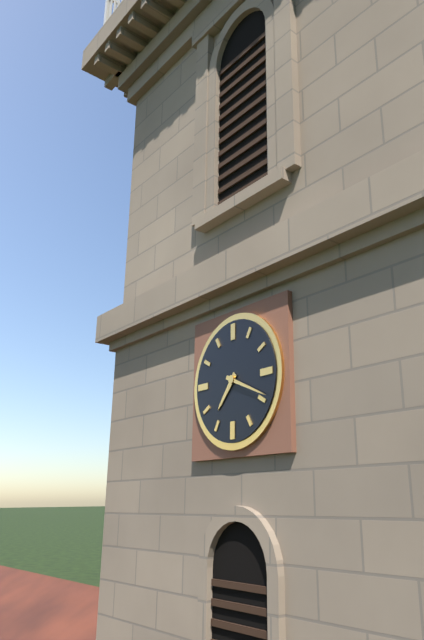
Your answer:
7 h 19 min
